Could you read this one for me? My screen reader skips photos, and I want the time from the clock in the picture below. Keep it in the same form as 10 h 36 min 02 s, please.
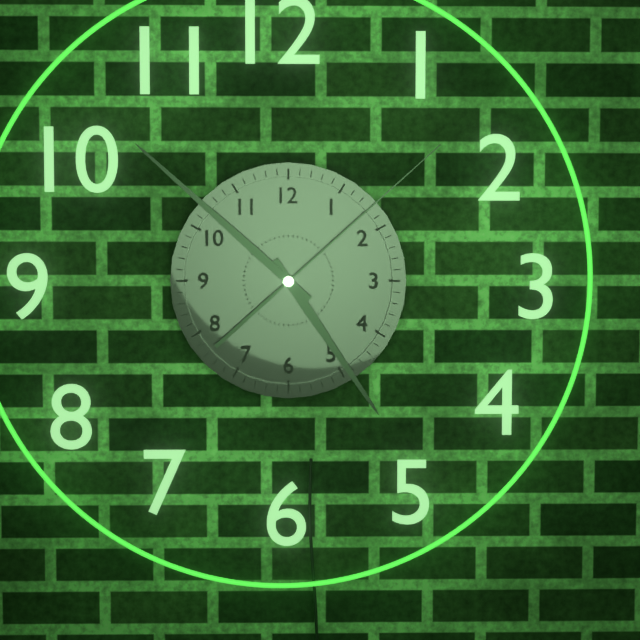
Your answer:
4 h 52 min 08 s
